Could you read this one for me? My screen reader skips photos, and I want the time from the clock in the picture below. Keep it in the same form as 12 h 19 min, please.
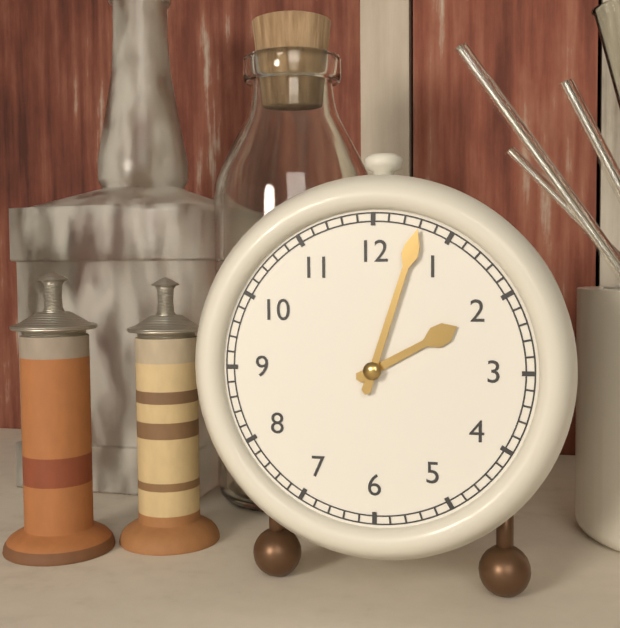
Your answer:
2 h 03 min
